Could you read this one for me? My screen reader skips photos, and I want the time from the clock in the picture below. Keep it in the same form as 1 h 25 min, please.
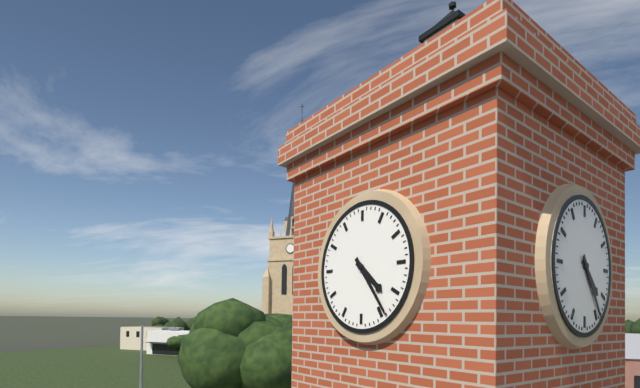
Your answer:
4 h 24 min
